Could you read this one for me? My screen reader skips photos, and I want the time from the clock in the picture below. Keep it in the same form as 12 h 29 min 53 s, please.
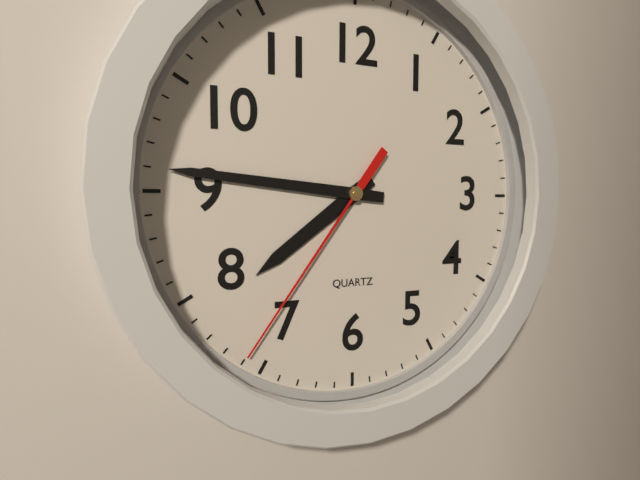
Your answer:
7 h 46 min 36 s
